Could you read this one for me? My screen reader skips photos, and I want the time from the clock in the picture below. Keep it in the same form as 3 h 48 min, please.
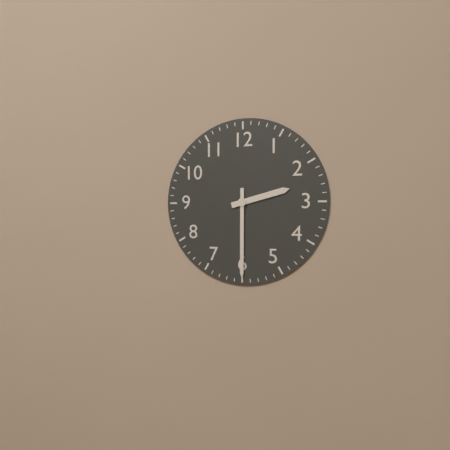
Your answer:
2 h 30 min
